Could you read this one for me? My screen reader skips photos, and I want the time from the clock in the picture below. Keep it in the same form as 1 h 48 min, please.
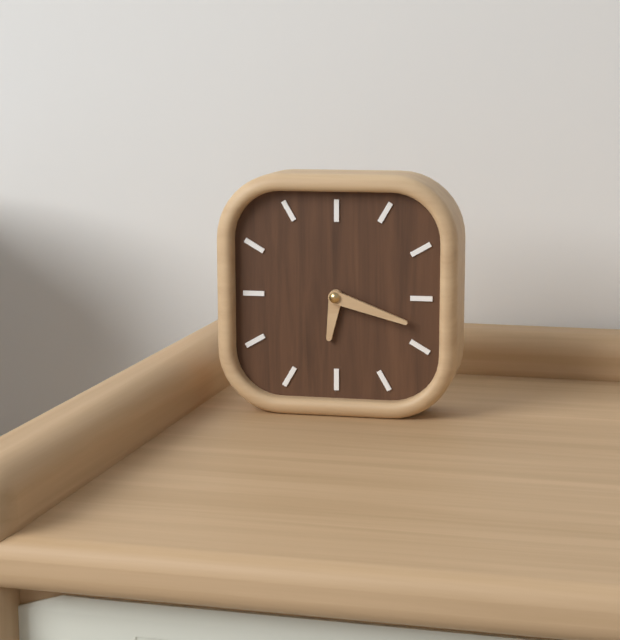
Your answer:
6 h 18 min
